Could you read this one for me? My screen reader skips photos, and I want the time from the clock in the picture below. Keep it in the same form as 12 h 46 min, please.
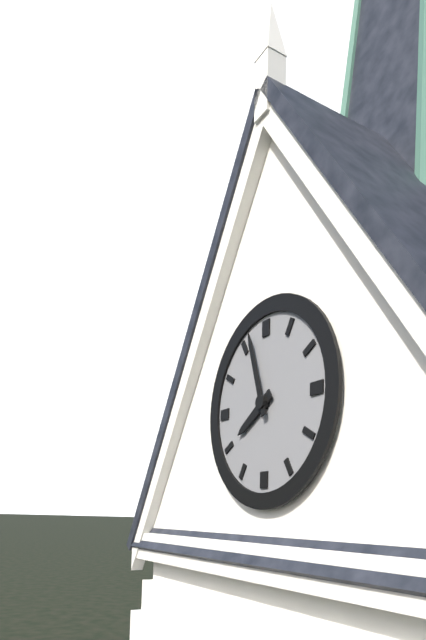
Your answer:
7 h 57 min
